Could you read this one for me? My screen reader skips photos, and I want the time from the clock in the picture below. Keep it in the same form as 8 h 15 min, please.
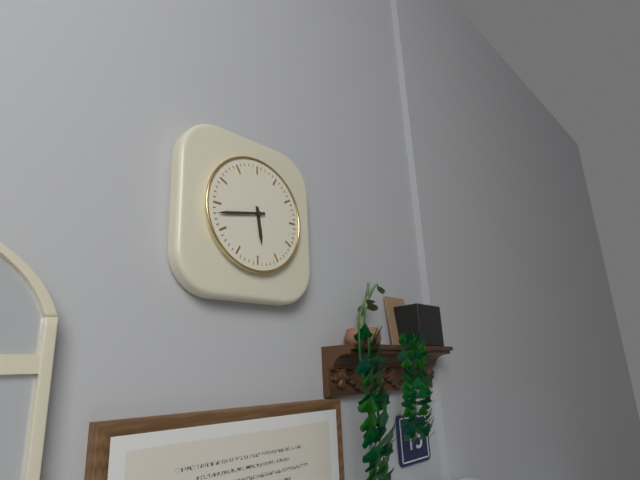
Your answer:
5 h 43 min
